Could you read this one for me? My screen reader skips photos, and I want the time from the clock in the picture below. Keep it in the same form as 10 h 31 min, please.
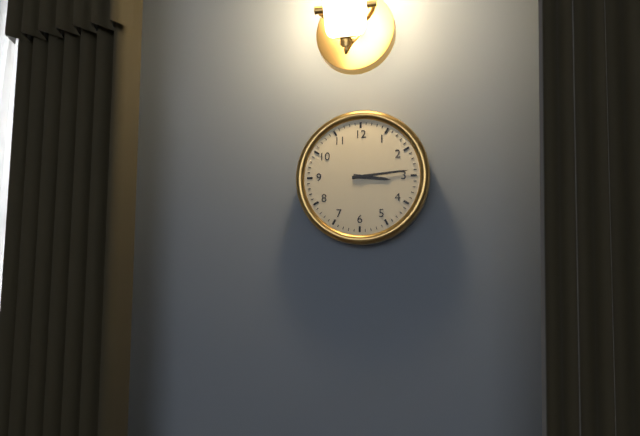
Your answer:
3 h 14 min
